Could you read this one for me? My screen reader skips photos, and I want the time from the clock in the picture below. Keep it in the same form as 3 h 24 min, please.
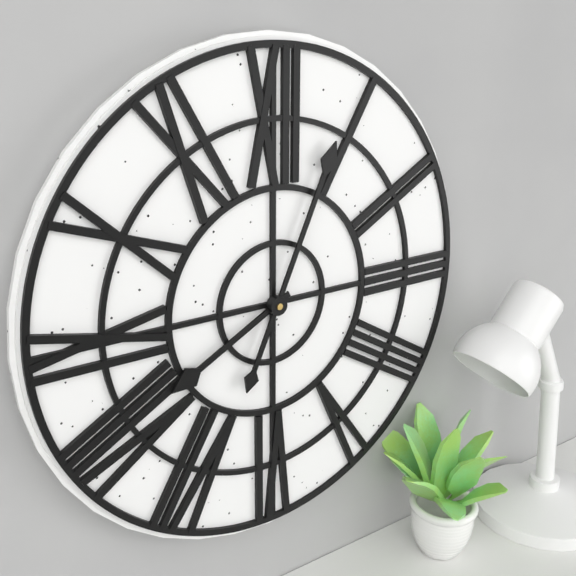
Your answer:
8 h 04 min
